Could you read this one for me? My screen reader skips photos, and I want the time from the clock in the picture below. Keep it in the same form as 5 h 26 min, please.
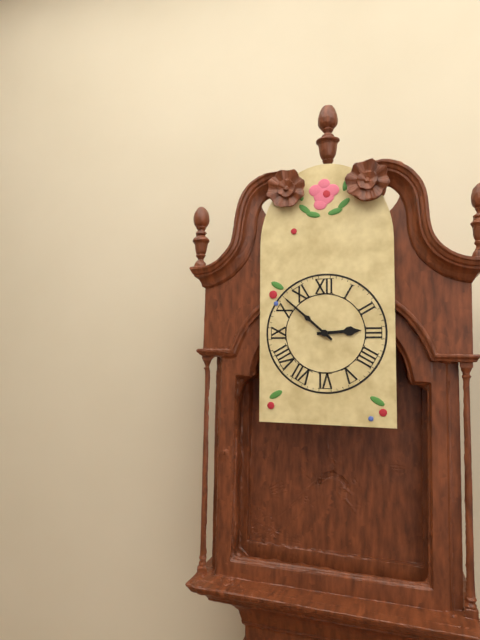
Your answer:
2 h 52 min
